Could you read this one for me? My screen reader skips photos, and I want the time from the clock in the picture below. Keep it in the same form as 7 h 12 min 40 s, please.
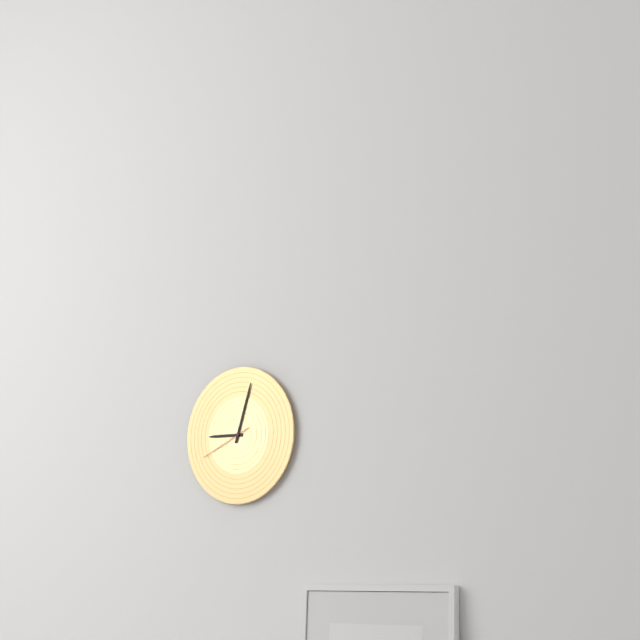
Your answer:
9 h 03 min 41 s
